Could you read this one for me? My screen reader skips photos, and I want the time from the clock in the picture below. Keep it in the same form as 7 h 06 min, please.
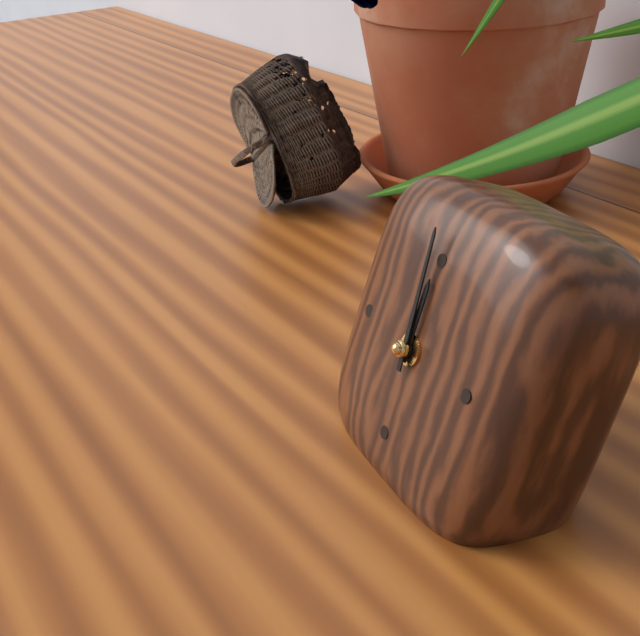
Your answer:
11 h 59 min
